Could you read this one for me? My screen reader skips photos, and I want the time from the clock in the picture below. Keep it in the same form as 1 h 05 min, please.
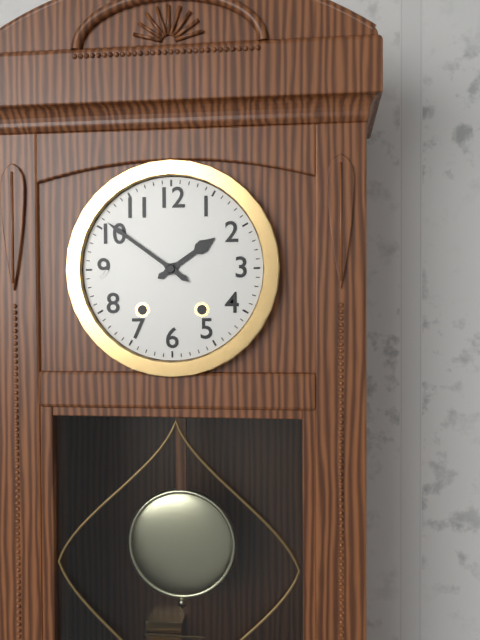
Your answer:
1 h 51 min
